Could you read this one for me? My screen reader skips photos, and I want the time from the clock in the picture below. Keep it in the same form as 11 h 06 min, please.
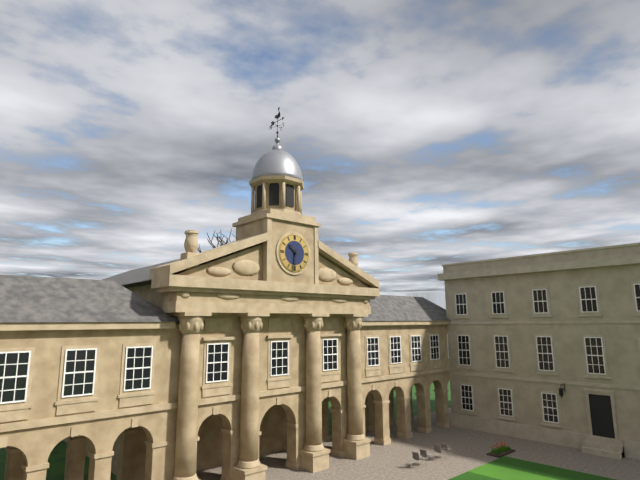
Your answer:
10 h 31 min
